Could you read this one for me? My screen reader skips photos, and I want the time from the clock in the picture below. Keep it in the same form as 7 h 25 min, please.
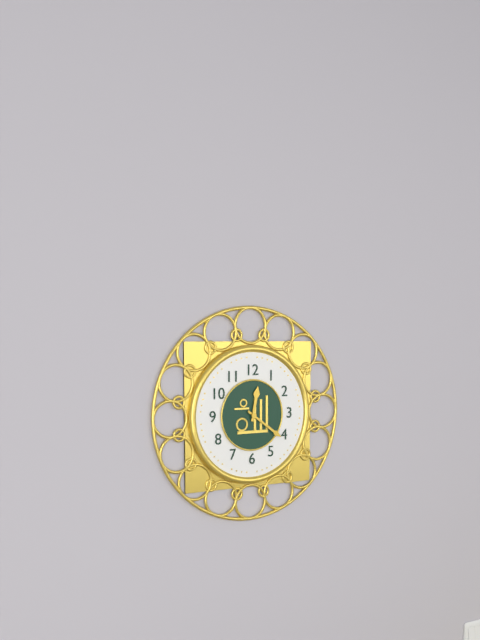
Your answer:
12 h 21 min
